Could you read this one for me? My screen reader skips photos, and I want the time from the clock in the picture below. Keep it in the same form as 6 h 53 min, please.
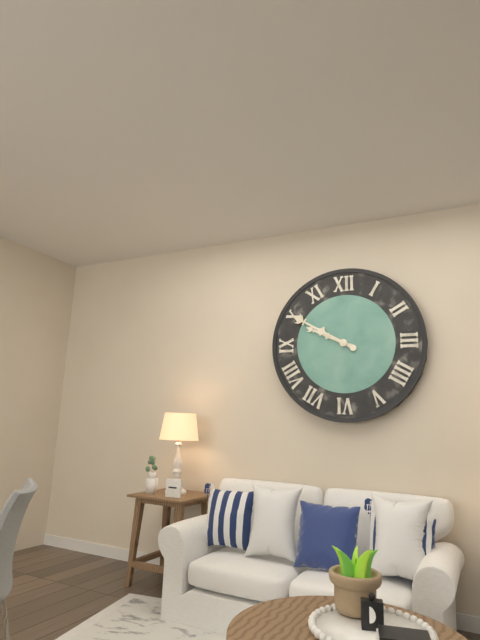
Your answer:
9 h 50 min
